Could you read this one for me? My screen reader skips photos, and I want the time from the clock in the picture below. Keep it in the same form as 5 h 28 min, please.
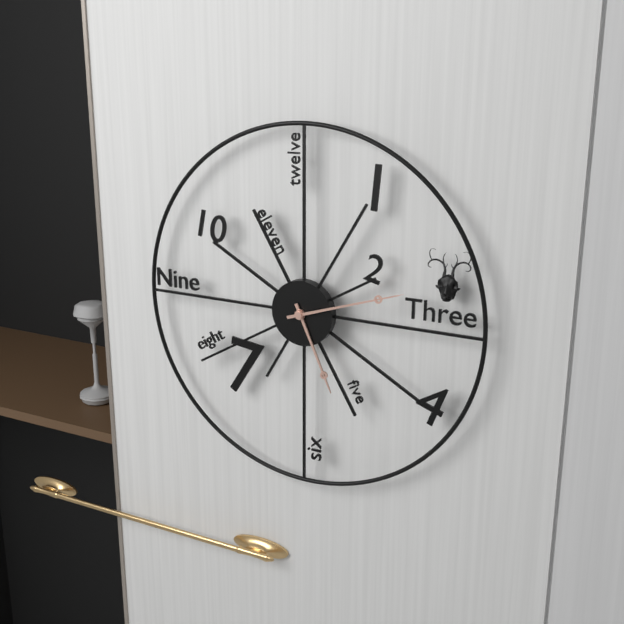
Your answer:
5 h 12 min
